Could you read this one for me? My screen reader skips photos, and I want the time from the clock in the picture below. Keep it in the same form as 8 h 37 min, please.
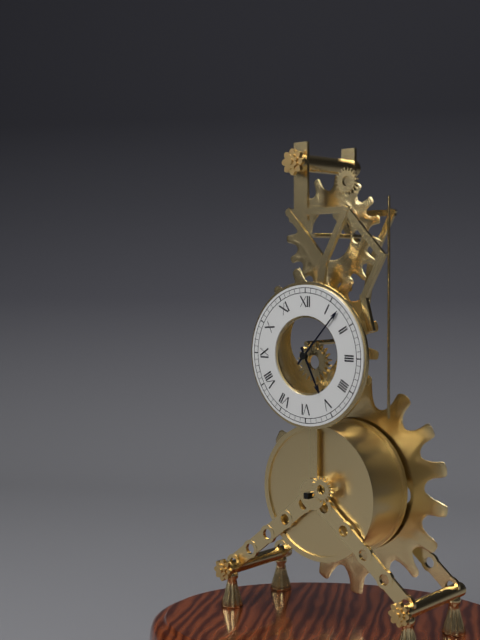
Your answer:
5 h 07 min
